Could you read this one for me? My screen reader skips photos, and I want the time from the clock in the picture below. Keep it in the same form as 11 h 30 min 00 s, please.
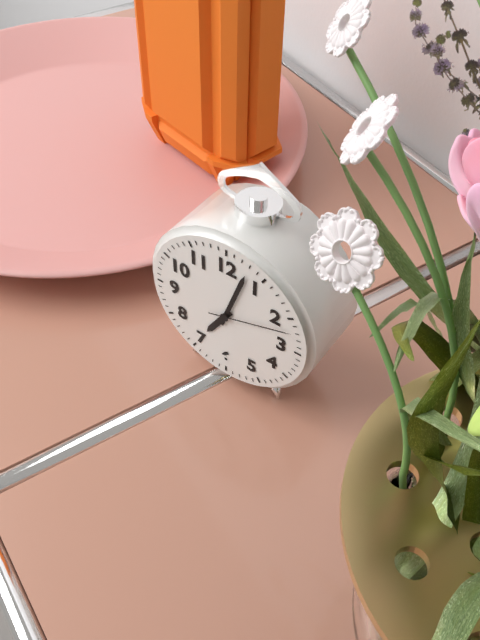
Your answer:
7 h 03 min 12 s
